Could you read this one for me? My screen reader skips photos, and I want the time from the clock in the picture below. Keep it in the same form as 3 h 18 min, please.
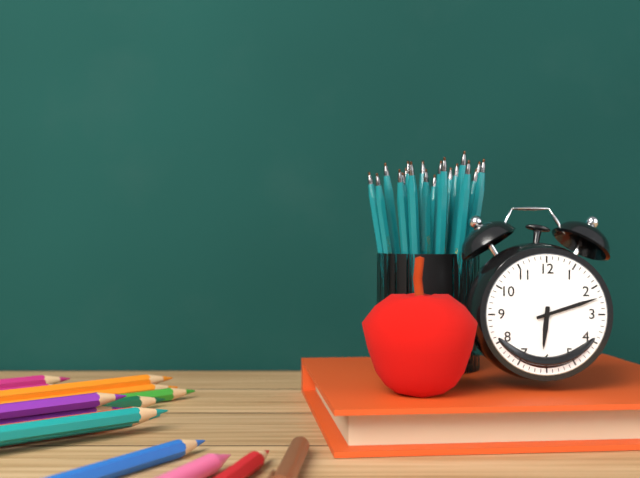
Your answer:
6 h 12 min
